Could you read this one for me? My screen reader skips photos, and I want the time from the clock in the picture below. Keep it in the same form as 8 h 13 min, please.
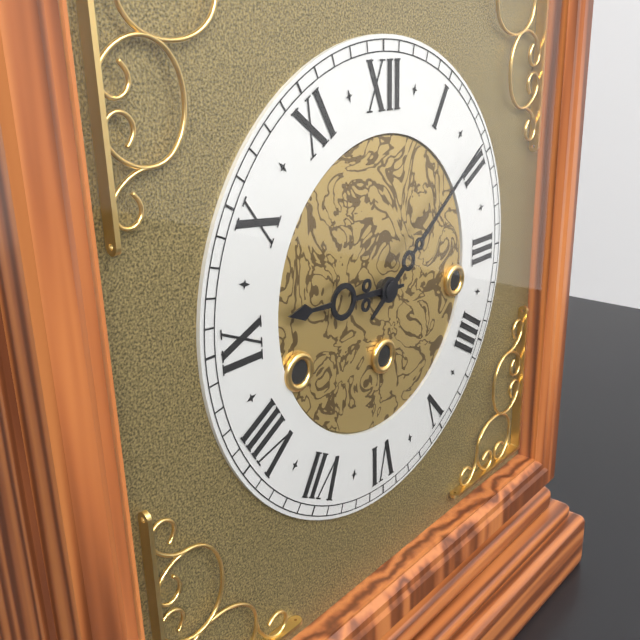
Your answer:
9 h 09 min
